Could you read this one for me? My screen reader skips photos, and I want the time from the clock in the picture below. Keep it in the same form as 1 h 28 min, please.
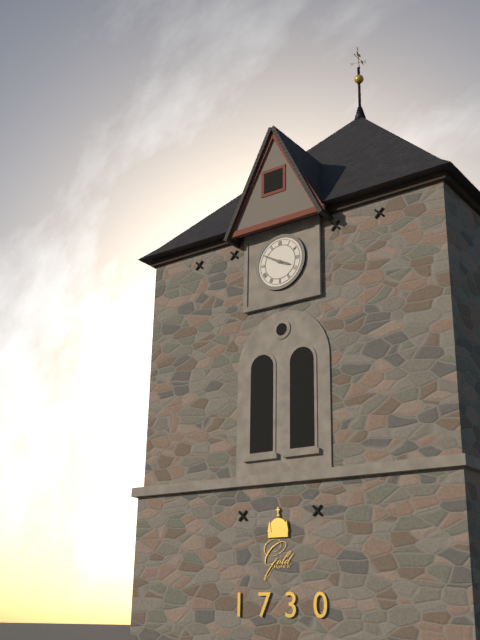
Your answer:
3 h 50 min
